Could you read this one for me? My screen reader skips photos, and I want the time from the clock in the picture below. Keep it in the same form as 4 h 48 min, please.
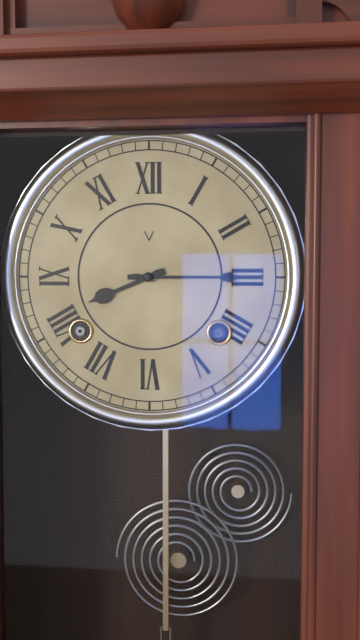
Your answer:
8 h 15 min
